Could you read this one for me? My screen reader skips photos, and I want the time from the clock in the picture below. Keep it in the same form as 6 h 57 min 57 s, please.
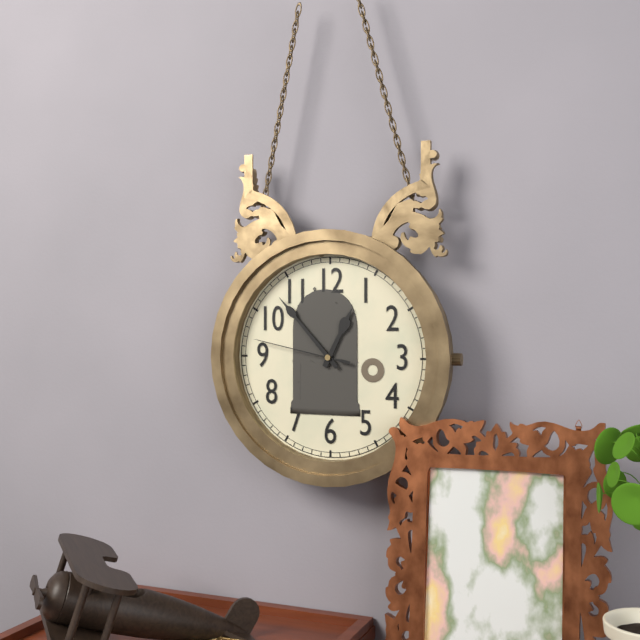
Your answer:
12 h 53 min 47 s
